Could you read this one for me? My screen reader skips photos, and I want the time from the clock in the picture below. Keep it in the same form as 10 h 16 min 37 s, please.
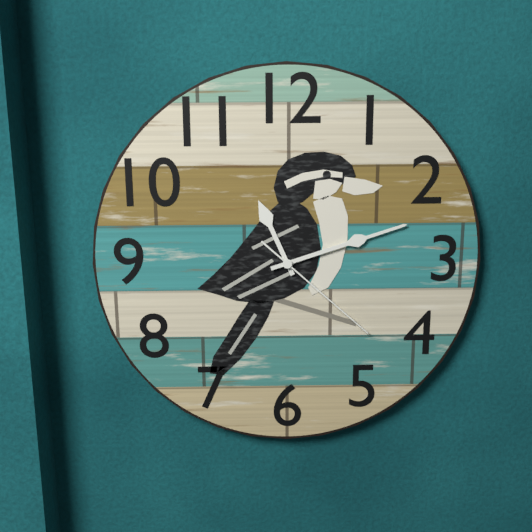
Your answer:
11 h 12 min 22 s
